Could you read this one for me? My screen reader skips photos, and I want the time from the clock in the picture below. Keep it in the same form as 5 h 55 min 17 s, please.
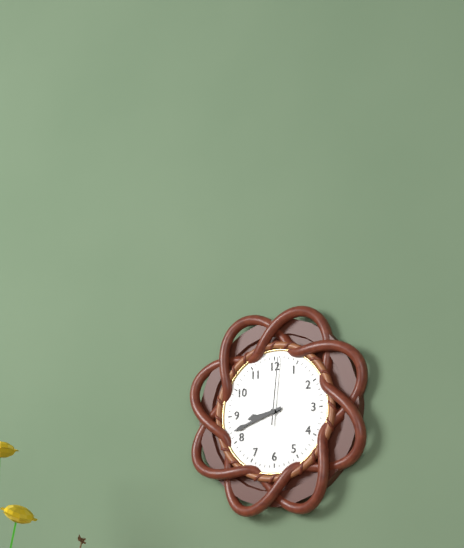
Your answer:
8 h 42 min 01 s
